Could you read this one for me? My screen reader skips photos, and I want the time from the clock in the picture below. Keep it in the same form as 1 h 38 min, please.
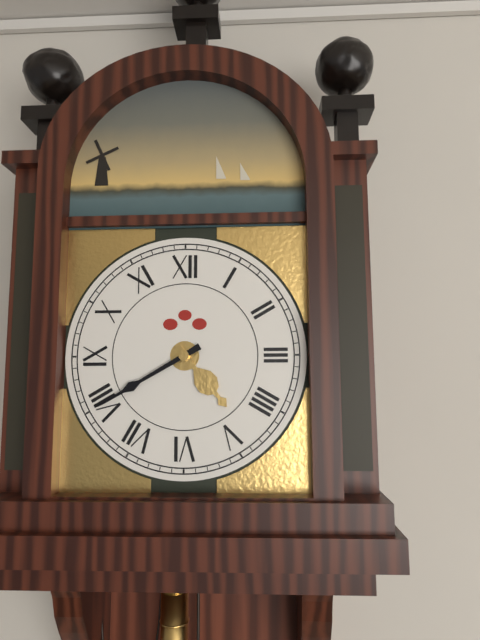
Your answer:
4 h 40 min
